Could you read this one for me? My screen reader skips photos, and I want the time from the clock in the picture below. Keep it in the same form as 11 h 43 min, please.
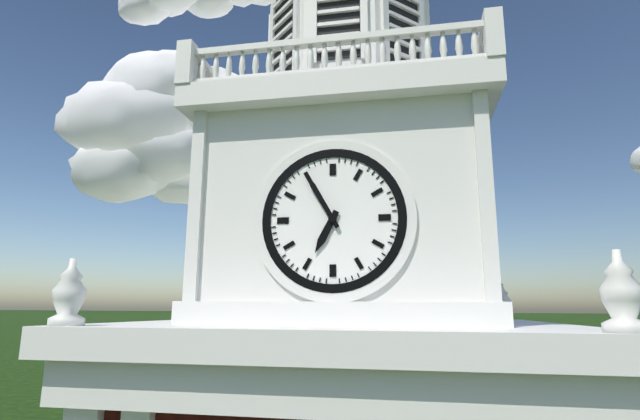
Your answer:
6 h 55 min
